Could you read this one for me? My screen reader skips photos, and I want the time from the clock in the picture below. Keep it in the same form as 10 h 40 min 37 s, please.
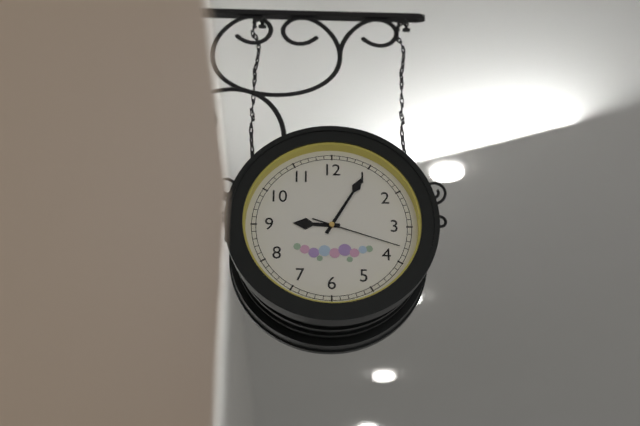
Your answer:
9 h 05 min 18 s
